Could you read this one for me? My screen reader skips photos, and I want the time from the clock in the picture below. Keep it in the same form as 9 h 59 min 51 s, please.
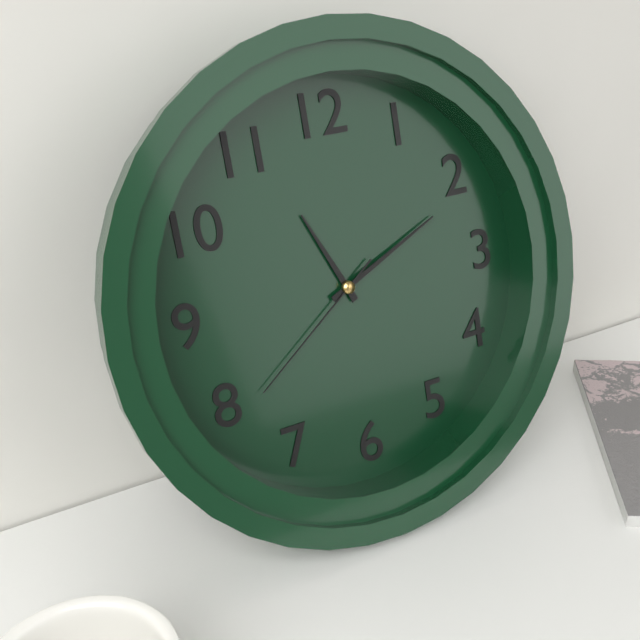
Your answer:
11 h 11 min 39 s
